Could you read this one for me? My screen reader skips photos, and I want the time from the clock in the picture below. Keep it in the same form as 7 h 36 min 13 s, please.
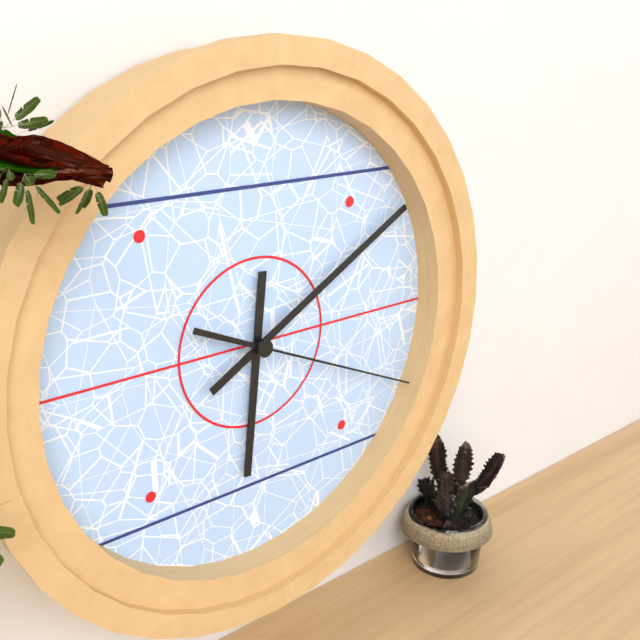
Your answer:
6 h 10 min 19 s
